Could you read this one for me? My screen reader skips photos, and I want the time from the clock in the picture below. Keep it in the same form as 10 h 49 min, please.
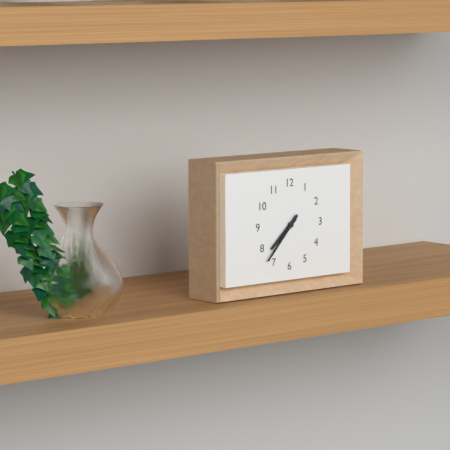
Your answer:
7 h 37 min
